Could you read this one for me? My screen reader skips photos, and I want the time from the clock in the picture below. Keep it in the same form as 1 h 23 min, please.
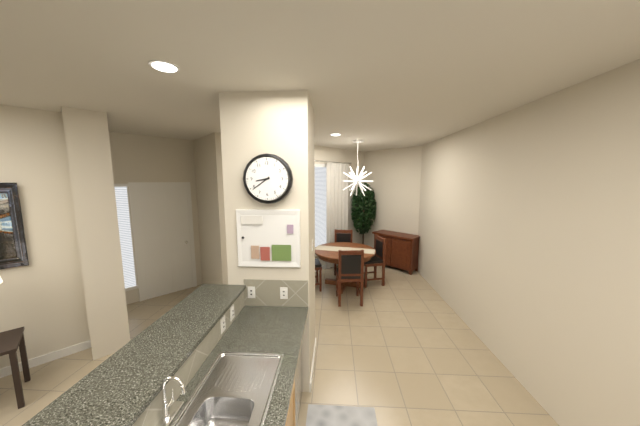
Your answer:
8 h 39 min
